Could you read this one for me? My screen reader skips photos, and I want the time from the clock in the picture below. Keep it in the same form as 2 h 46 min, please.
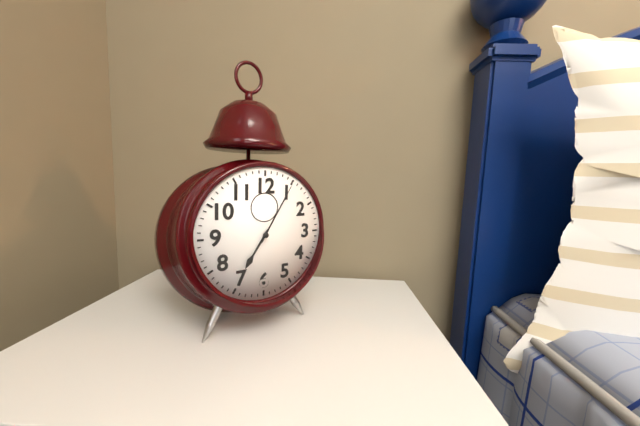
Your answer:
7 h 05 min
